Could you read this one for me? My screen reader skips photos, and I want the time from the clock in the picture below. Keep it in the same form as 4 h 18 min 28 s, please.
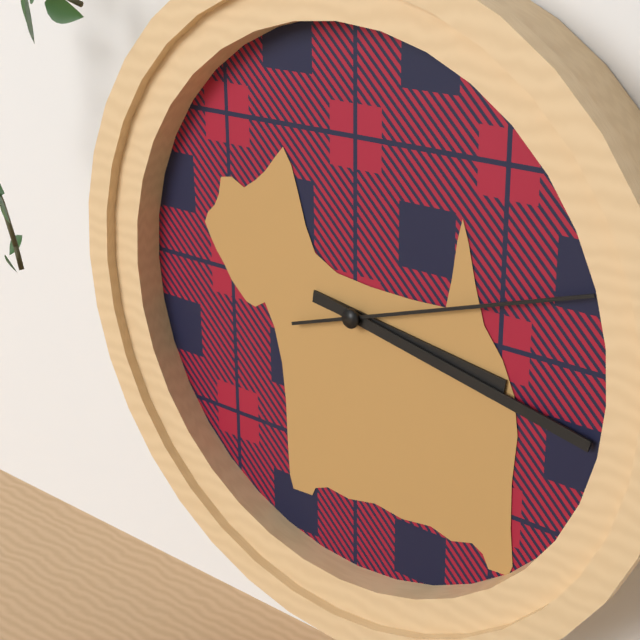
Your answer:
3 h 17 min 12 s
